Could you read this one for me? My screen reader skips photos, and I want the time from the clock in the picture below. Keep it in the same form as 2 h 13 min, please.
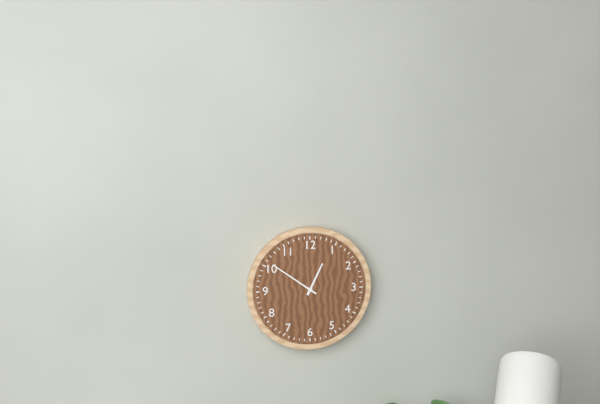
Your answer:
12 h 51 min
